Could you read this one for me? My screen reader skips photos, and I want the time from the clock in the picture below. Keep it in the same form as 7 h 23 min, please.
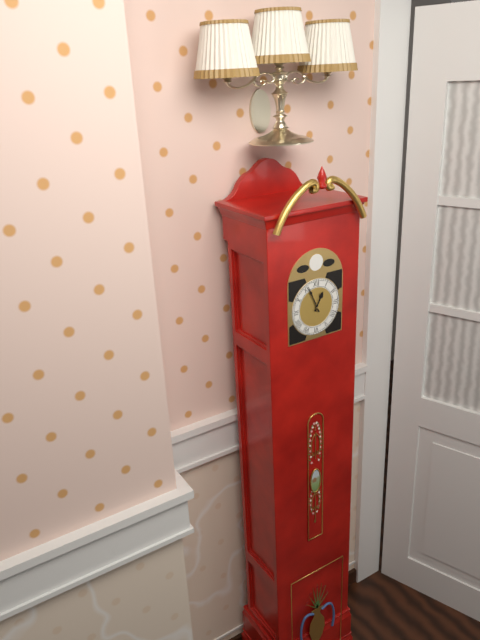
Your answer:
12 h 56 min
